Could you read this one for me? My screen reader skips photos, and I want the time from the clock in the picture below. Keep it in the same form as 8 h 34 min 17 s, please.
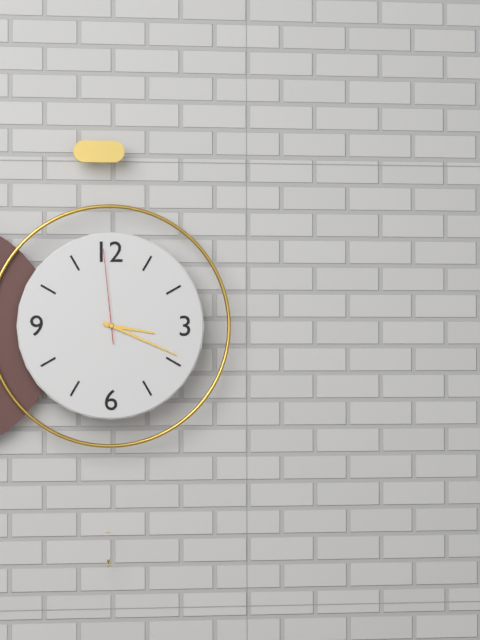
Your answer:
3 h 19 min 59 s
